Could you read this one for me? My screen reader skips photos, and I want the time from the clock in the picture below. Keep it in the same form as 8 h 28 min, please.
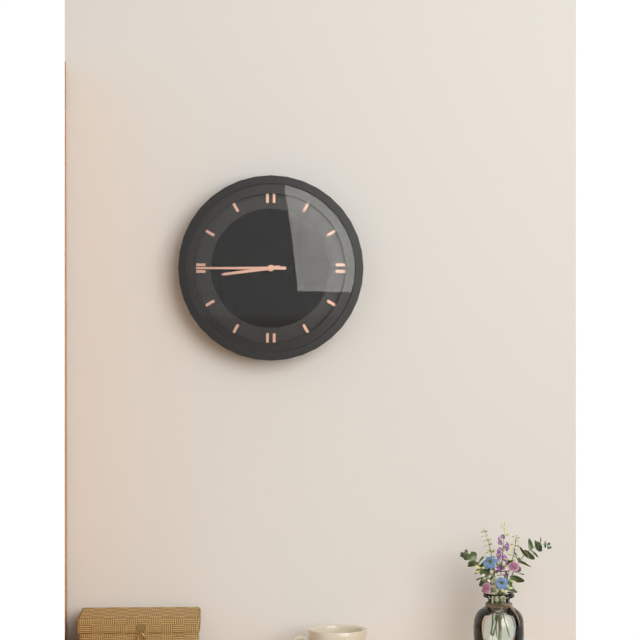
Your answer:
8 h 45 min
